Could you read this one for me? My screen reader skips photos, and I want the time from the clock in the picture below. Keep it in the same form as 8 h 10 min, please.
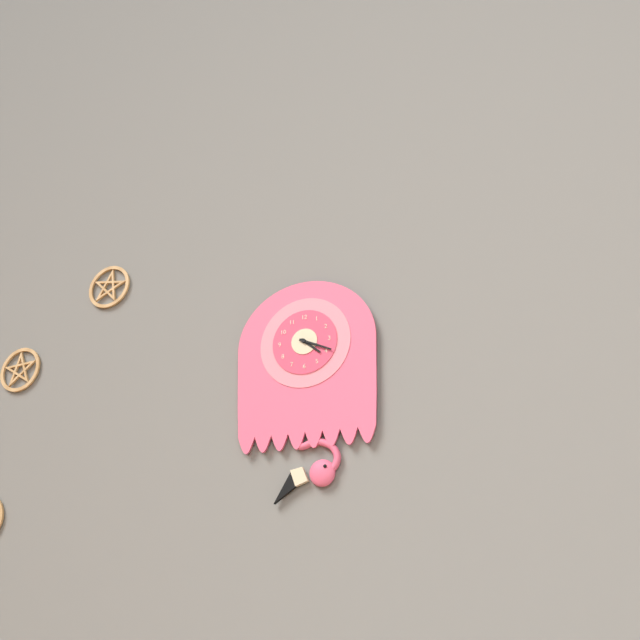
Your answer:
4 h 19 min
